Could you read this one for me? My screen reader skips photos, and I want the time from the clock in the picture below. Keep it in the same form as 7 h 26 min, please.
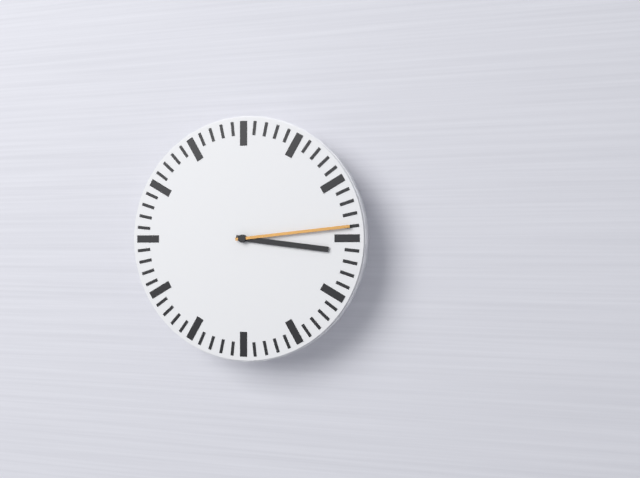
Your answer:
3 h 14 min
